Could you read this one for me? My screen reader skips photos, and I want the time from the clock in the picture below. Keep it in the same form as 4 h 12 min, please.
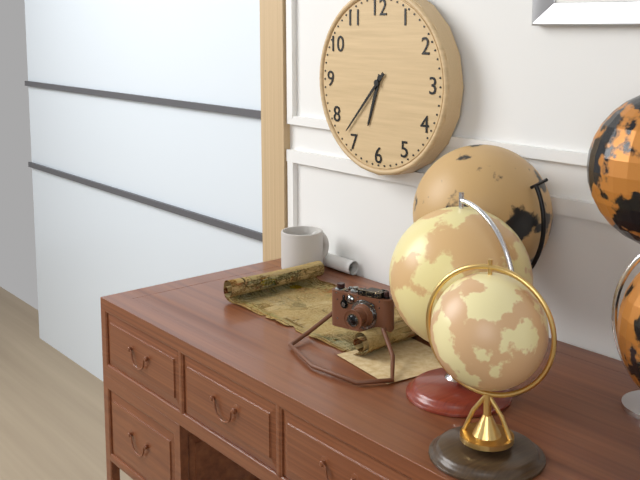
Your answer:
6 h 37 min
